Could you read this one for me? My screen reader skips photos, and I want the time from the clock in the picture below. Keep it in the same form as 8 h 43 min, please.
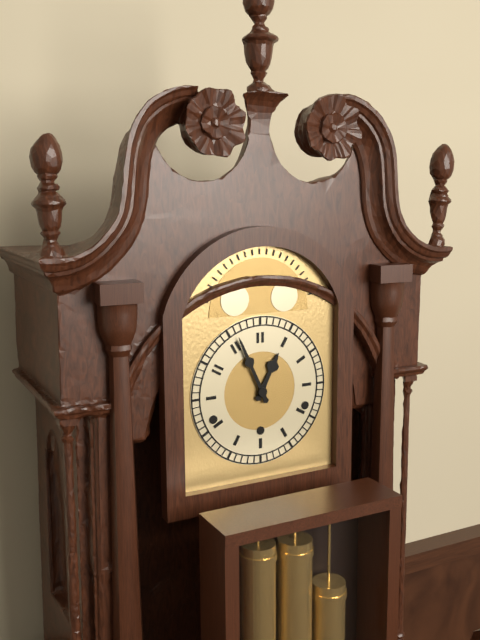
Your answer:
12 h 56 min
